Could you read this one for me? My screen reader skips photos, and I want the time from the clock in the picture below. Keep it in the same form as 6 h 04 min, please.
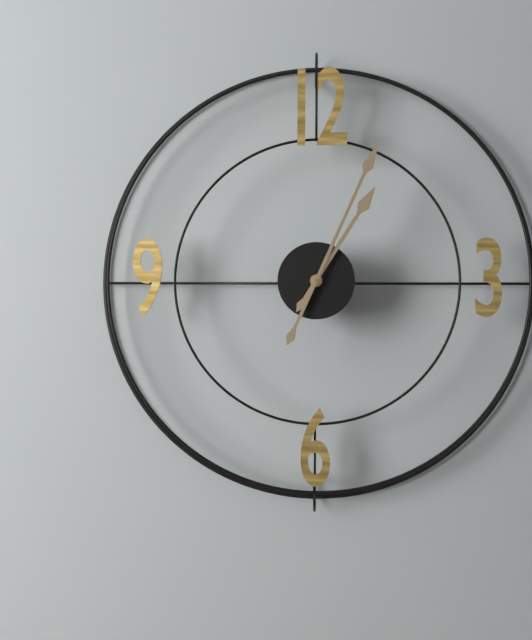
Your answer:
1 h 04 min
